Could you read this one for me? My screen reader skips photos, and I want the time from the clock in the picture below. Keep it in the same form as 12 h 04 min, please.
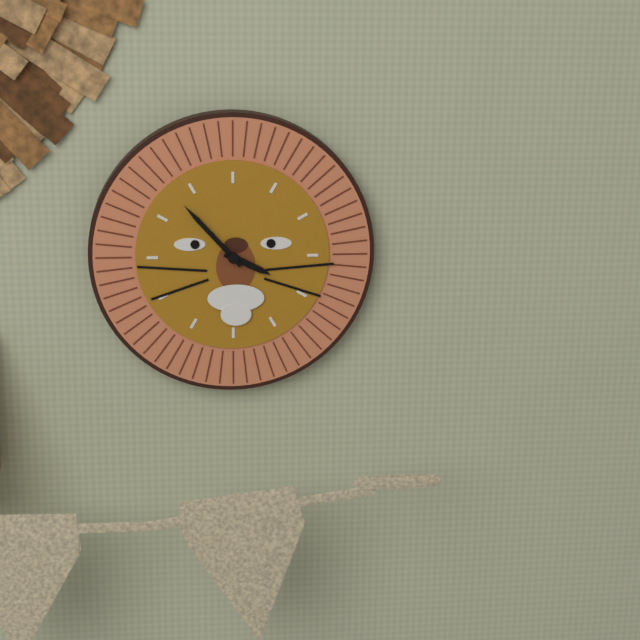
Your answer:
3 h 53 min
